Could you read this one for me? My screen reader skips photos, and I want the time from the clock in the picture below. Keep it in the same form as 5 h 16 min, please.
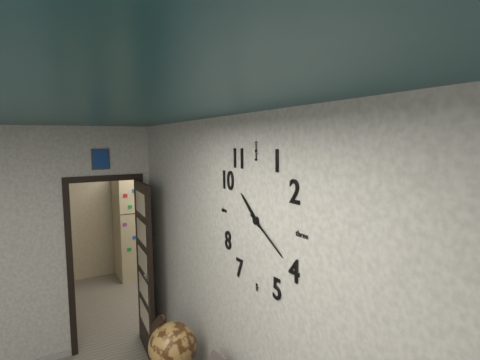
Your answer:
10 h 20 min
